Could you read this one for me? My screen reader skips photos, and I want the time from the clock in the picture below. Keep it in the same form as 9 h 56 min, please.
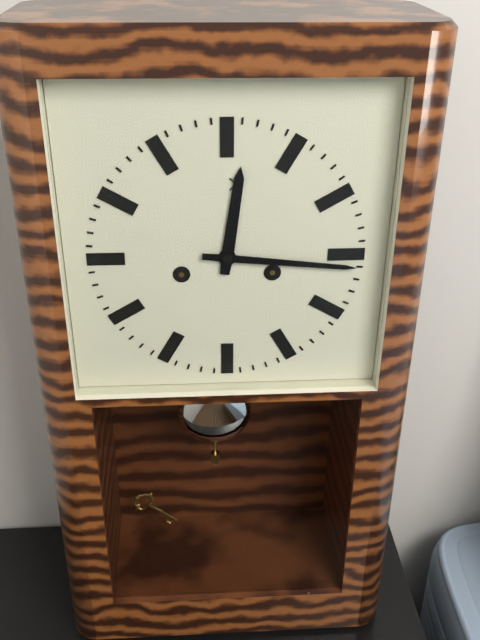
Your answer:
12 h 16 min
